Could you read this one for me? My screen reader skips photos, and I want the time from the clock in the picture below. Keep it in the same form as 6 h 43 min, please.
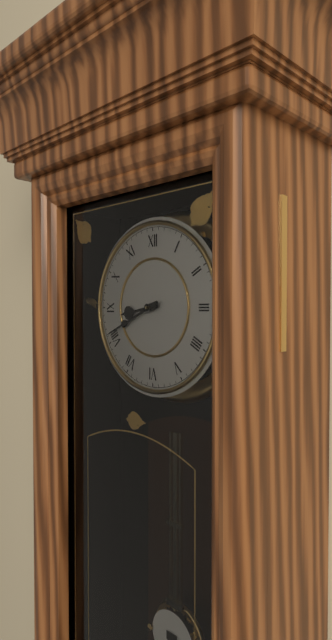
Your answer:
8 h 41 min
